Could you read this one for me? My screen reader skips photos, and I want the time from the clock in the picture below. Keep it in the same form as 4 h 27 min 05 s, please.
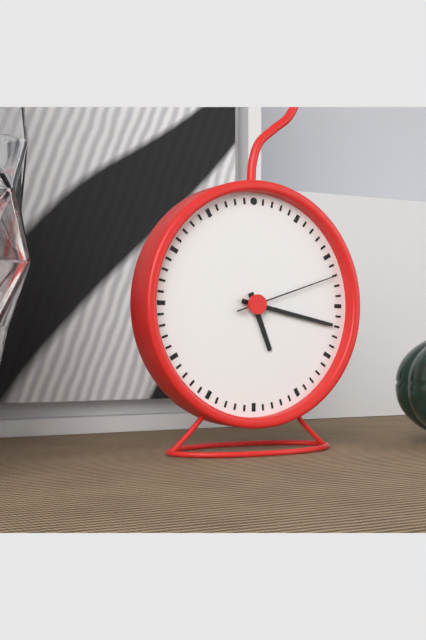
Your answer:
5 h 17 min 12 s
